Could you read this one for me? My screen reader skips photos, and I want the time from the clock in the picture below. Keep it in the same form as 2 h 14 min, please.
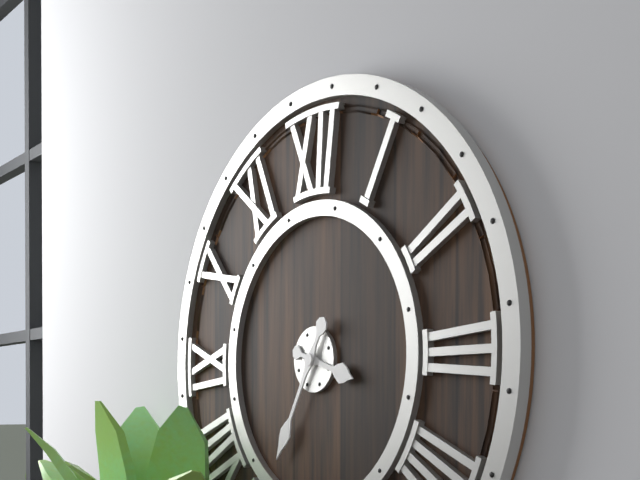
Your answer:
3 h 35 min
